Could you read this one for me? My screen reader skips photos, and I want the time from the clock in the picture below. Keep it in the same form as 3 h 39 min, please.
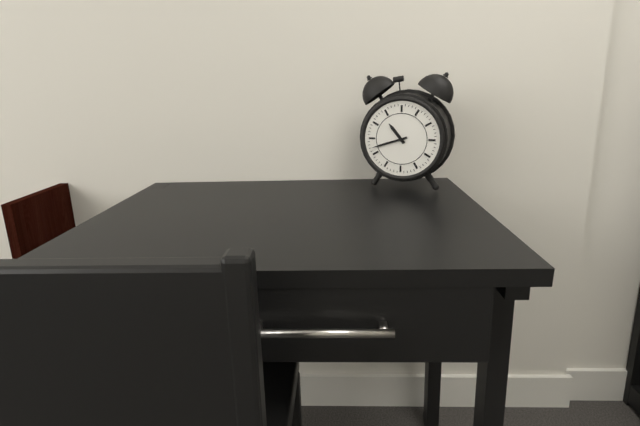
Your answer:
10 h 42 min
